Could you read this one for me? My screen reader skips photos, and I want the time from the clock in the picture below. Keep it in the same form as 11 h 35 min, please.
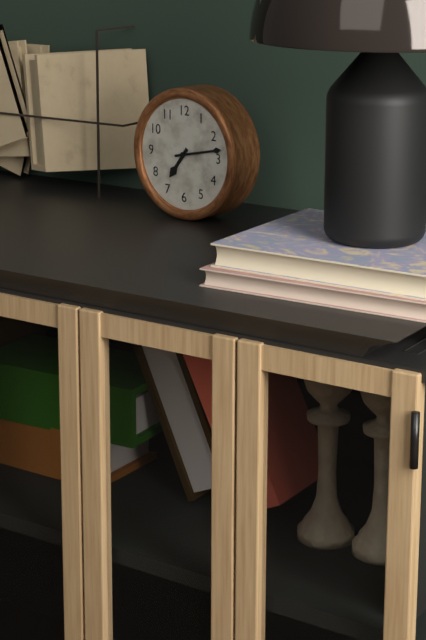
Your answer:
7 h 13 min
